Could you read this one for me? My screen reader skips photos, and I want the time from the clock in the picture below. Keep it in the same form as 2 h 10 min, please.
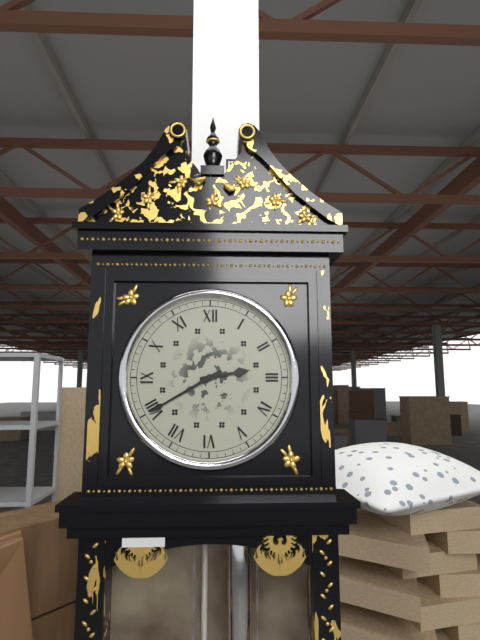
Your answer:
2 h 40 min
